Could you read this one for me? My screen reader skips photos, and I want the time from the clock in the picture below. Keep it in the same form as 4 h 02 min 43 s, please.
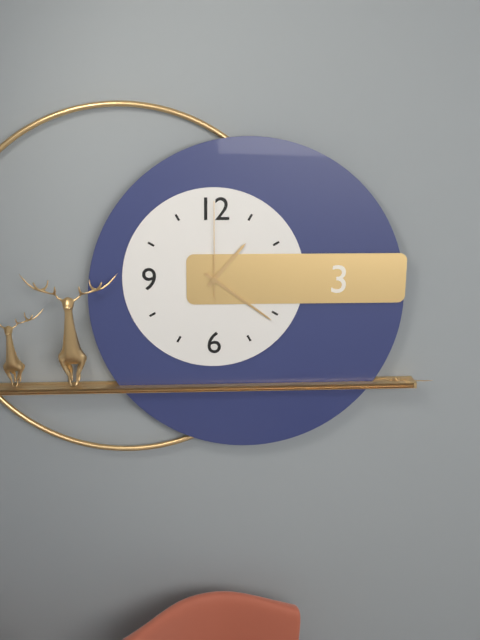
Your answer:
1 h 21 min 00 s
